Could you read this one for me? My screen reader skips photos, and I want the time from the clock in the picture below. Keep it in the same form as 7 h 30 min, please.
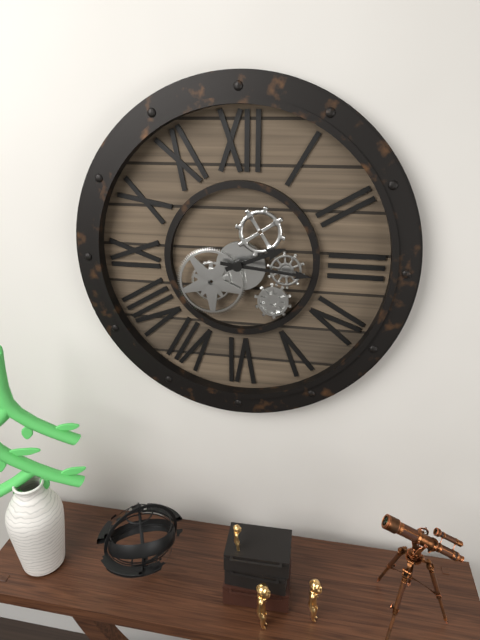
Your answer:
2 h 16 min
